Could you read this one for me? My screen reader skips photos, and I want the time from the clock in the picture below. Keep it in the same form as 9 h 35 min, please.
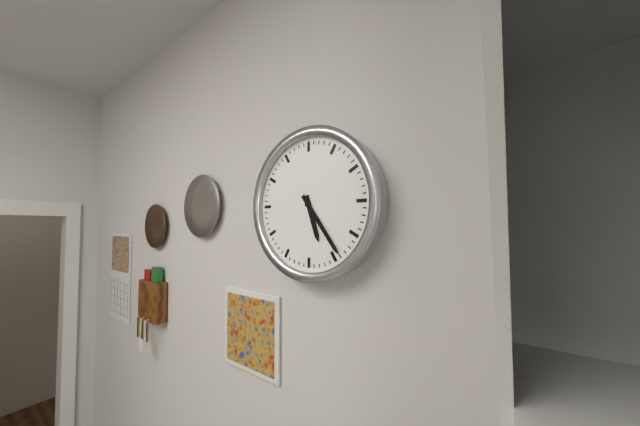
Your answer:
5 h 24 min
